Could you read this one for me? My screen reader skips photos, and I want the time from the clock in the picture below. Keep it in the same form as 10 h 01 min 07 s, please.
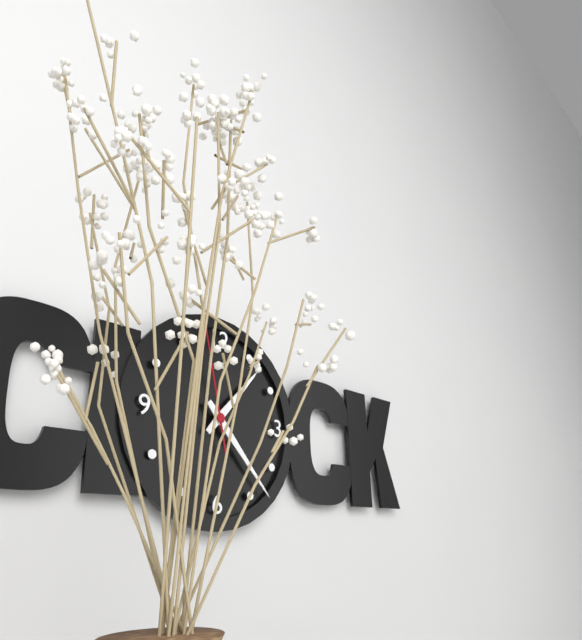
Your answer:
1 h 23 min 58 s
